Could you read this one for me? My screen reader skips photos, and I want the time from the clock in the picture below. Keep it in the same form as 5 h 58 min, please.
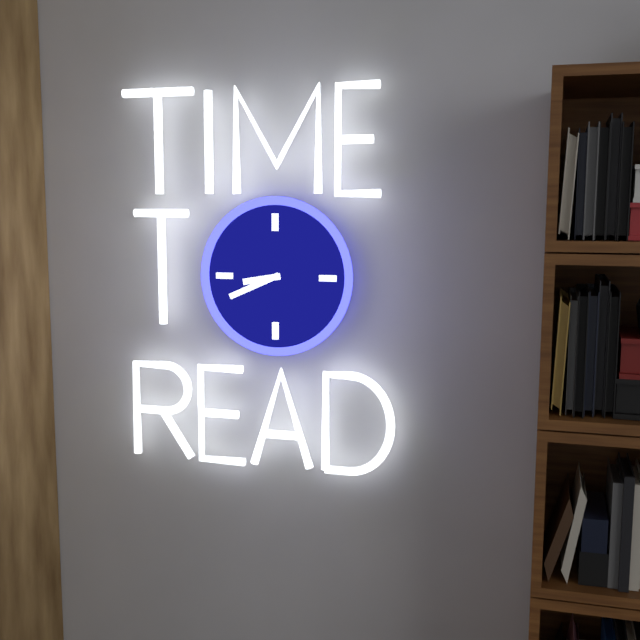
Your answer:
8 h 41 min
